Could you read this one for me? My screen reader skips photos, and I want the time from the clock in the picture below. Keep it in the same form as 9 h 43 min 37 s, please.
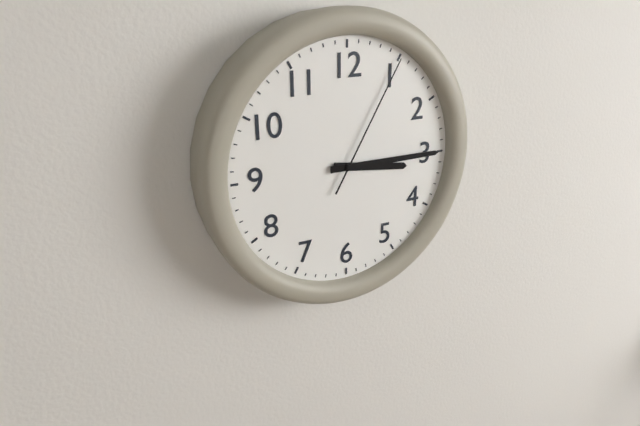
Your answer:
3 h 15 min 05 s
